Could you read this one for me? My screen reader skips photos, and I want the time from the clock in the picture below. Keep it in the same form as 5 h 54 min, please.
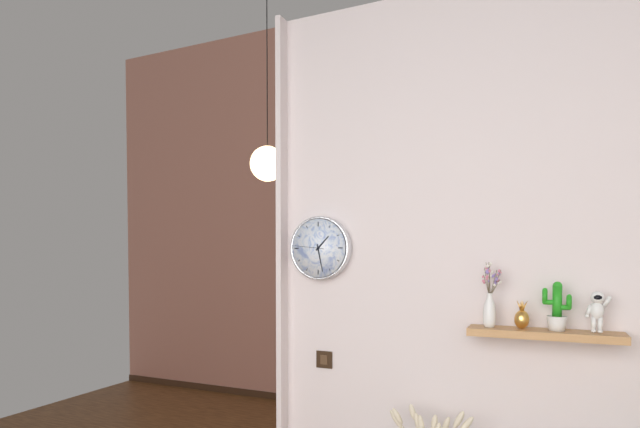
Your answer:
1 h 28 min
